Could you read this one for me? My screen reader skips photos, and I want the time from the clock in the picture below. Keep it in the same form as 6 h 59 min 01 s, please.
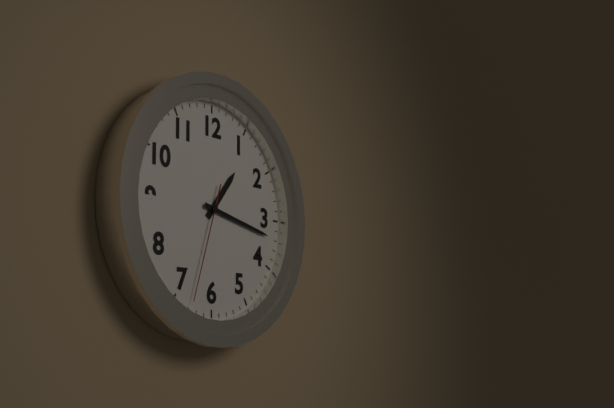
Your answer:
1 h 17 min 33 s
